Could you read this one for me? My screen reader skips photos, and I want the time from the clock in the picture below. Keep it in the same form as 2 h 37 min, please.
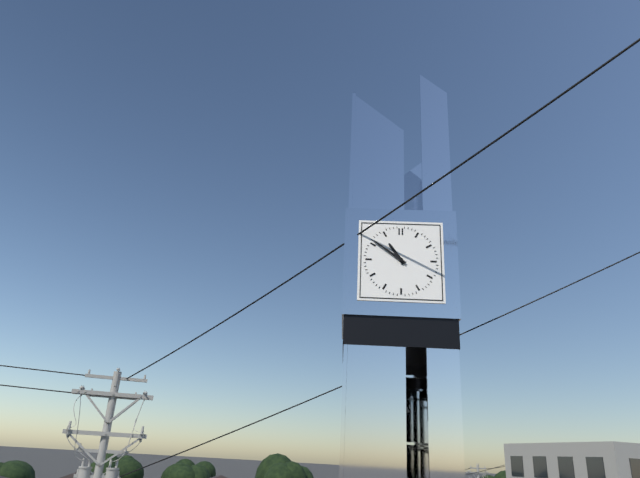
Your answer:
10 h 51 min
